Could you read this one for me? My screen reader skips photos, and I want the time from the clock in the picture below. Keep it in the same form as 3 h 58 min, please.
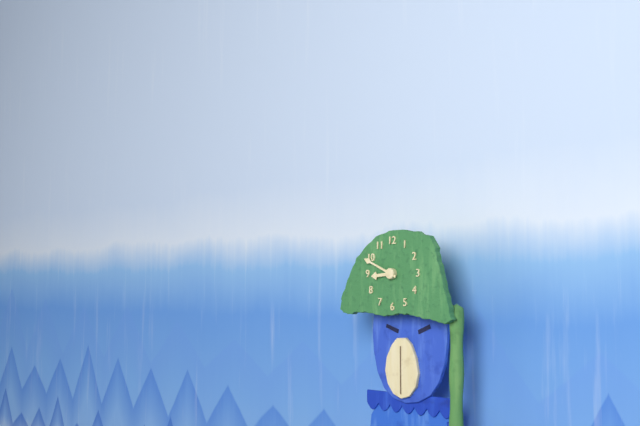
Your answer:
8 h 49 min
